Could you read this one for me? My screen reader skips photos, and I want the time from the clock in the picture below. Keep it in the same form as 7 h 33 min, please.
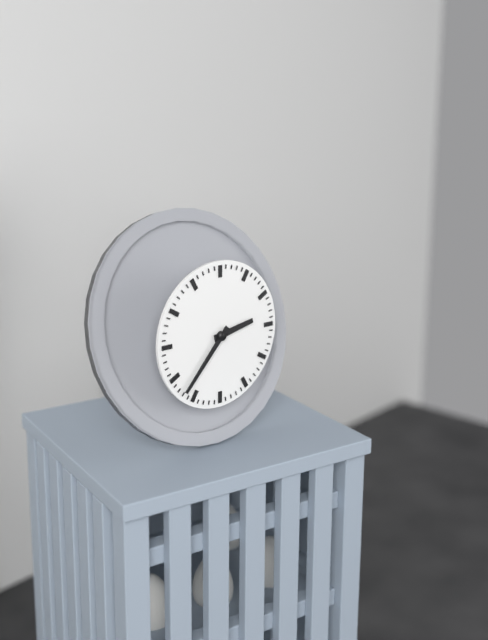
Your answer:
2 h 37 min
